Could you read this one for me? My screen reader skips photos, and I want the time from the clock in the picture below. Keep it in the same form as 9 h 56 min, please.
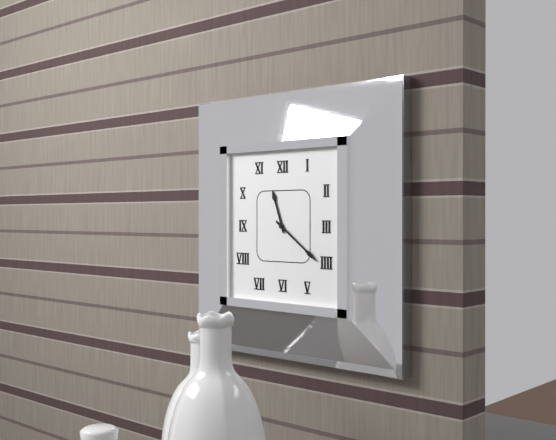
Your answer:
11 h 21 min
